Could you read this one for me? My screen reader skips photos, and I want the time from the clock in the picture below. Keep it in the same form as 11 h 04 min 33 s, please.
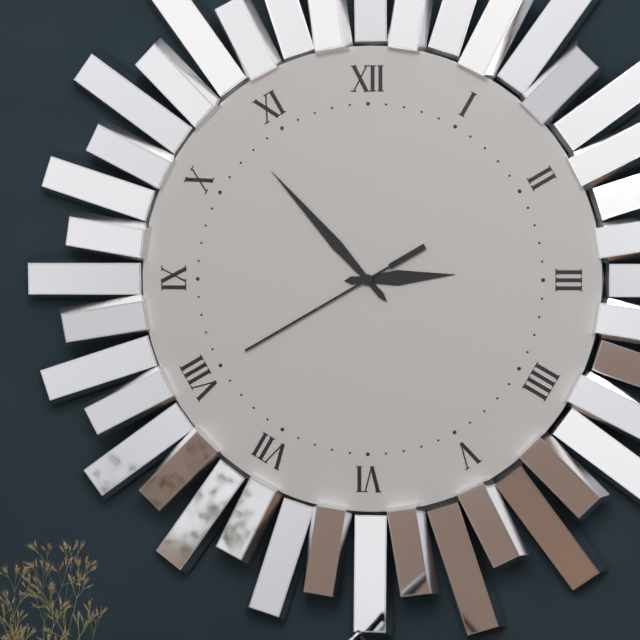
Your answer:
2 h 53 min 40 s
